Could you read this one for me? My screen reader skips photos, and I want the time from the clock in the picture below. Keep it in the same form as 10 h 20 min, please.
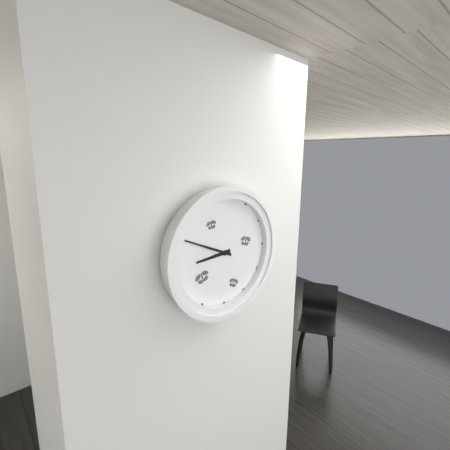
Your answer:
8 h 49 min
